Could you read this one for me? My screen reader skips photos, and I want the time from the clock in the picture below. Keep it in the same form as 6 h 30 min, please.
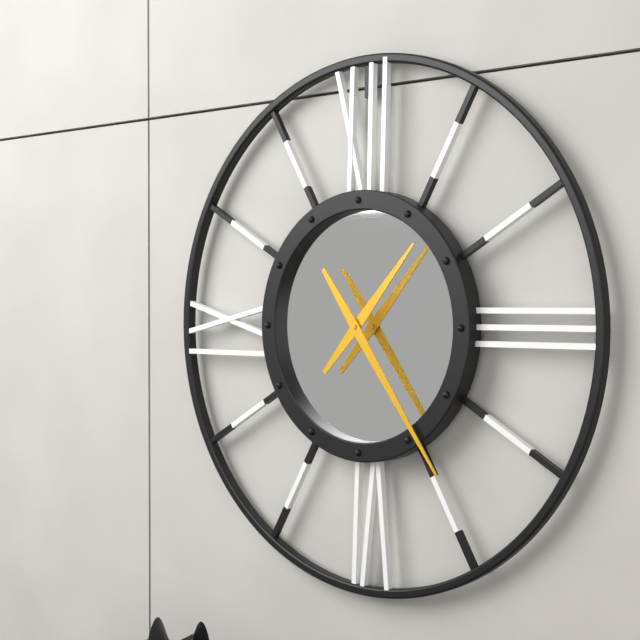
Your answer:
1 h 24 min
